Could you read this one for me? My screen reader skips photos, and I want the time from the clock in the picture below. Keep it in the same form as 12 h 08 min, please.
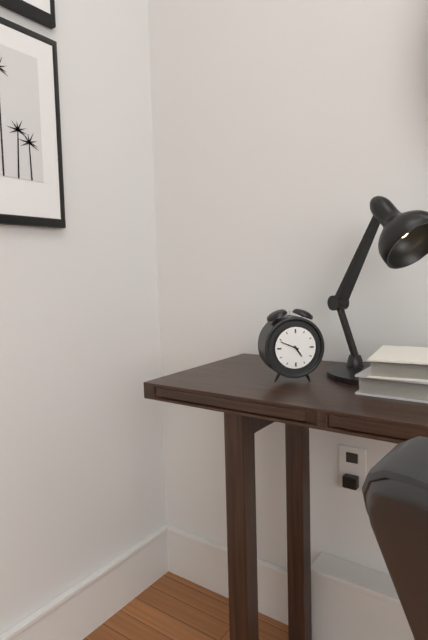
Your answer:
4 h 49 min
